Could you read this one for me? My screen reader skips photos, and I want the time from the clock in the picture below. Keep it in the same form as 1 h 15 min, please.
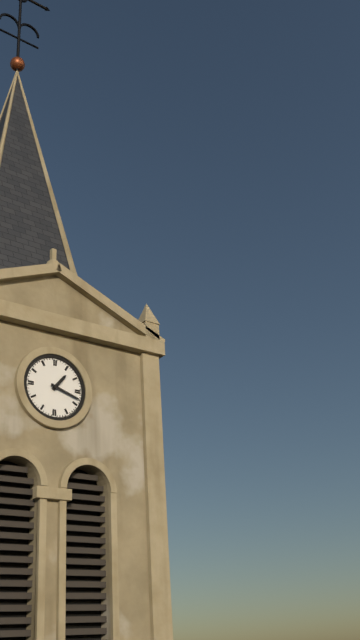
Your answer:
1 h 18 min
